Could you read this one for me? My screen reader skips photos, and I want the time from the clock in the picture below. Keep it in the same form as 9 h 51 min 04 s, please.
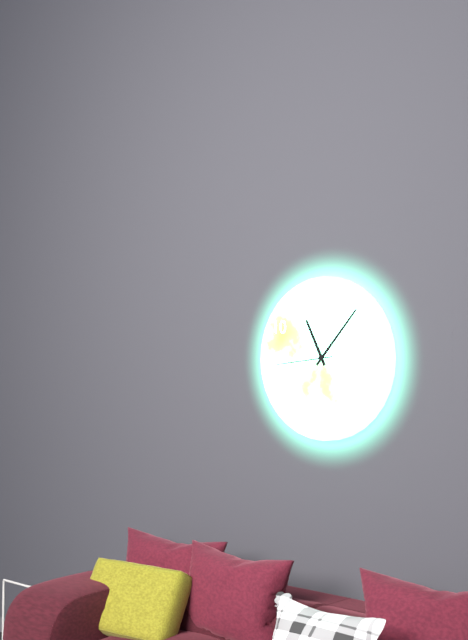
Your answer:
11 h 07 min 44 s
